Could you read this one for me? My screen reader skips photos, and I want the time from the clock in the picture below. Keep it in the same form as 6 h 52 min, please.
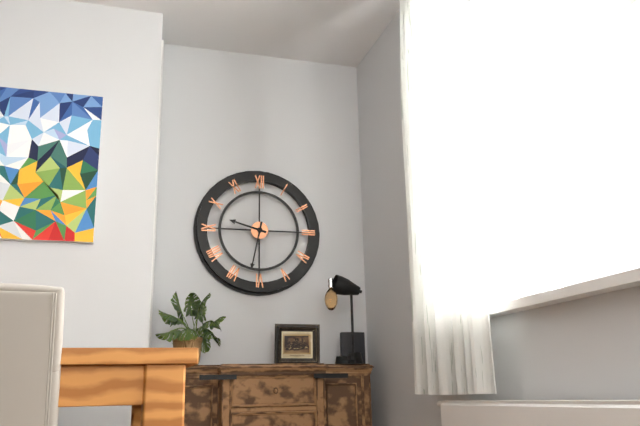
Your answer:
9 h 32 min
